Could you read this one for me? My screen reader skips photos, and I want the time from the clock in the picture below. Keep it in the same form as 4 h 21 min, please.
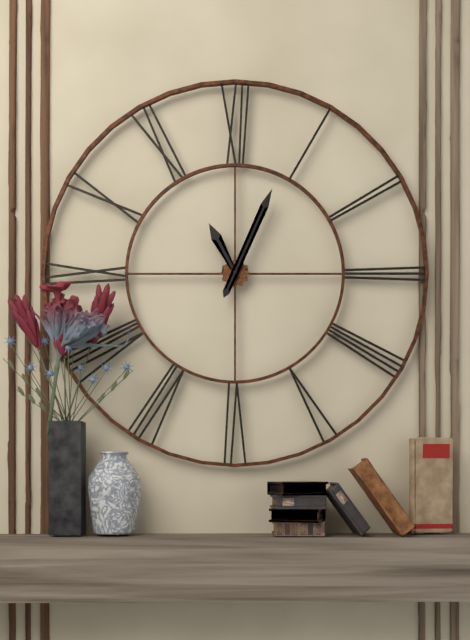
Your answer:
11 h 04 min
